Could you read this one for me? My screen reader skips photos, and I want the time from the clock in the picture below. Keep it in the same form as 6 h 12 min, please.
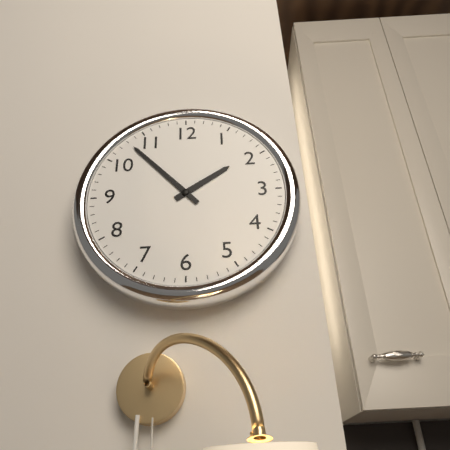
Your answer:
1 h 53 min
